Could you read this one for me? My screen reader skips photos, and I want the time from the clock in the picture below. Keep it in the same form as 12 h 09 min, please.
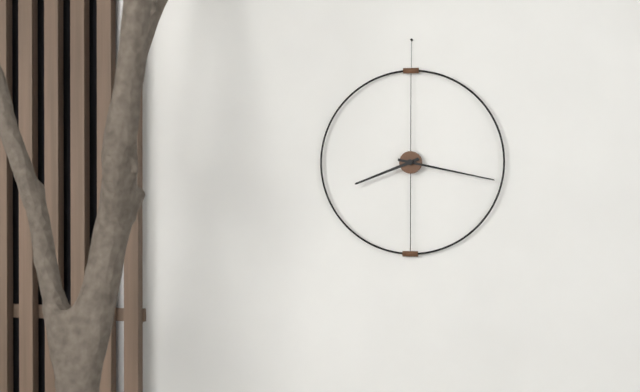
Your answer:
8 h 17 min
